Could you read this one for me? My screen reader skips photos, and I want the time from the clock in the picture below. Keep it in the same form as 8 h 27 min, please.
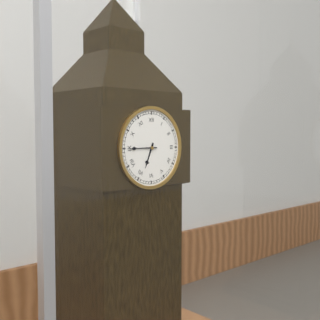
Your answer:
6 h 45 min
